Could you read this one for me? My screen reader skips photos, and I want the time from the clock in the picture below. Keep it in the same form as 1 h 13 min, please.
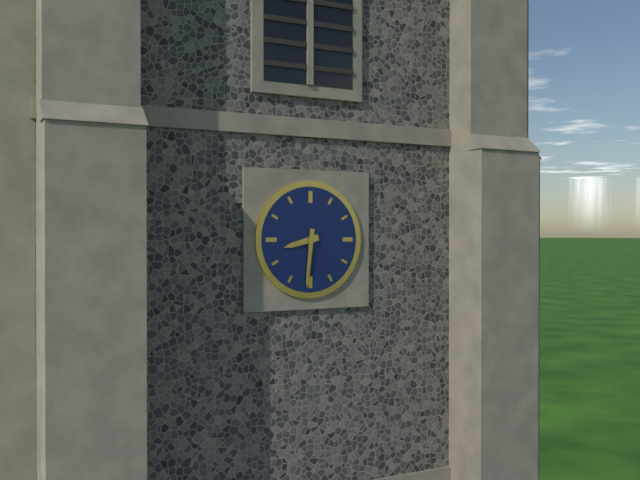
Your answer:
8 h 31 min
